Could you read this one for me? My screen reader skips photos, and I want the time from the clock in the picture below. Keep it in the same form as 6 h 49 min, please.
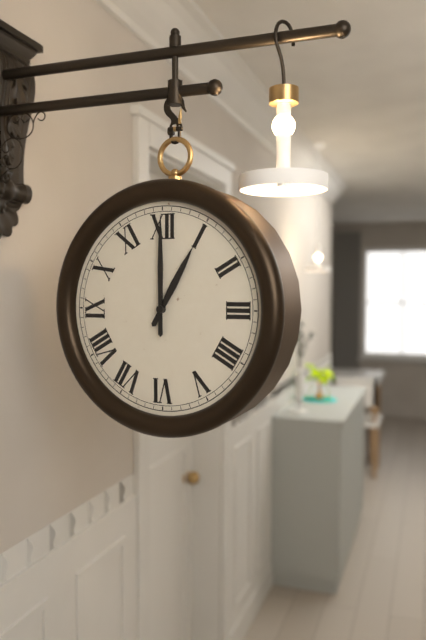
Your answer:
1 h 00 min
